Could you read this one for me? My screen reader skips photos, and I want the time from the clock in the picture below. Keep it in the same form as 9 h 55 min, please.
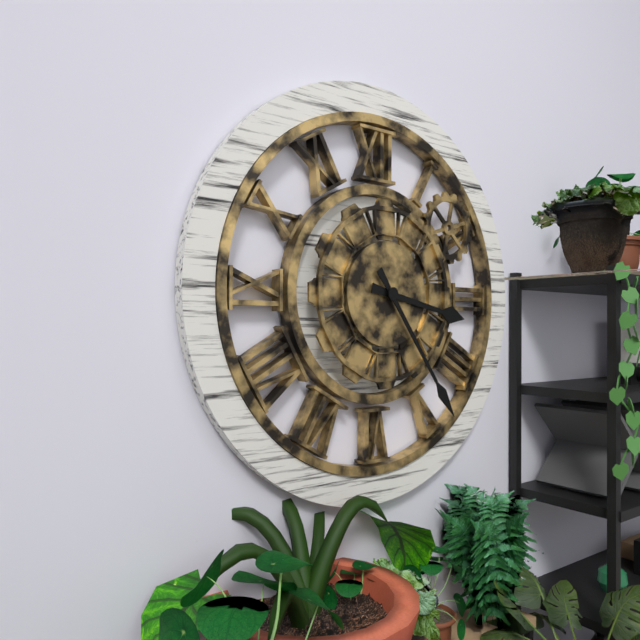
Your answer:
3 h 24 min
